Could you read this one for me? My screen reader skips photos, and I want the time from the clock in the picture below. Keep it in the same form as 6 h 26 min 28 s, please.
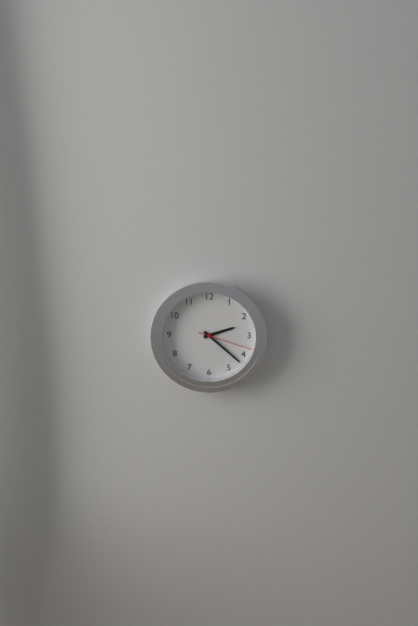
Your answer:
2 h 22 min 18 s
